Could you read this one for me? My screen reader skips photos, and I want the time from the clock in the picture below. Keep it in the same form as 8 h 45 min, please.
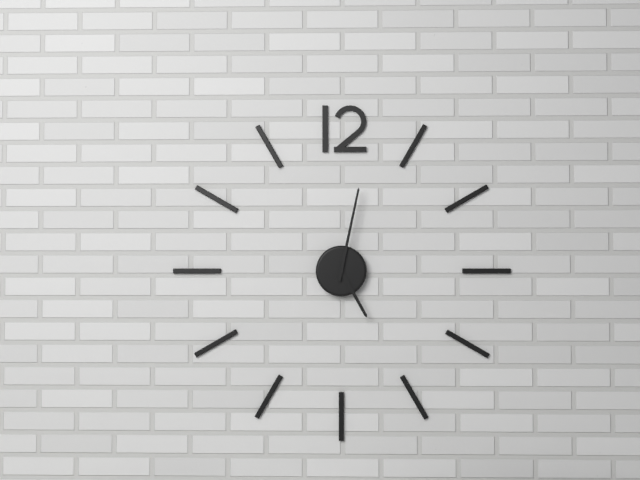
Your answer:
5 h 02 min
